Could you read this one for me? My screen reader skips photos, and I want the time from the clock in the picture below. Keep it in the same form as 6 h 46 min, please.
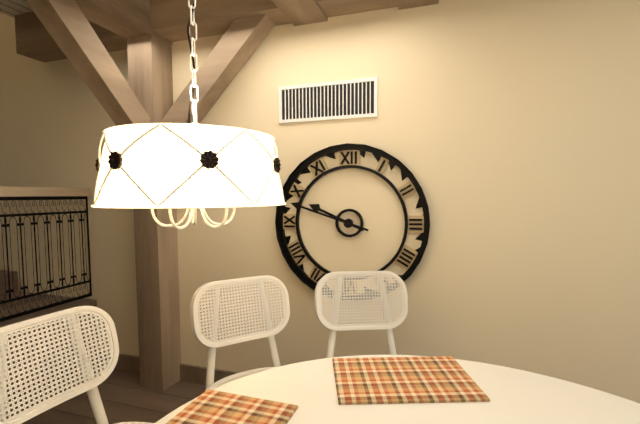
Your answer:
9 h 48 min
